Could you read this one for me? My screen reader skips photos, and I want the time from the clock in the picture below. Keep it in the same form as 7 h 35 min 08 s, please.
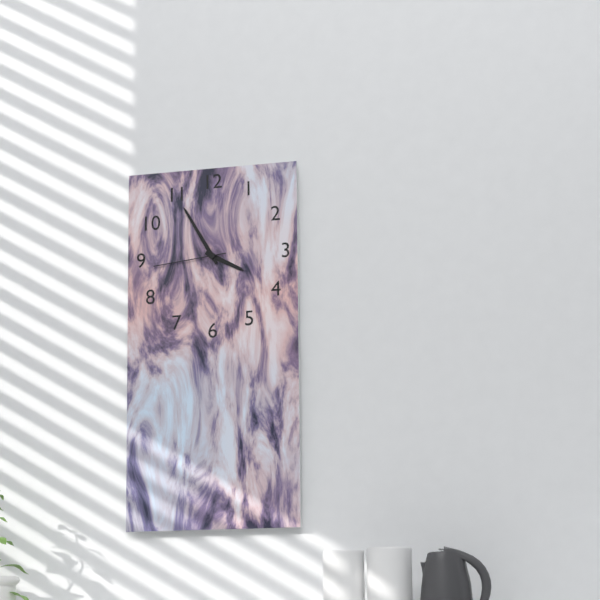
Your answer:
3 h 55 min 44 s
